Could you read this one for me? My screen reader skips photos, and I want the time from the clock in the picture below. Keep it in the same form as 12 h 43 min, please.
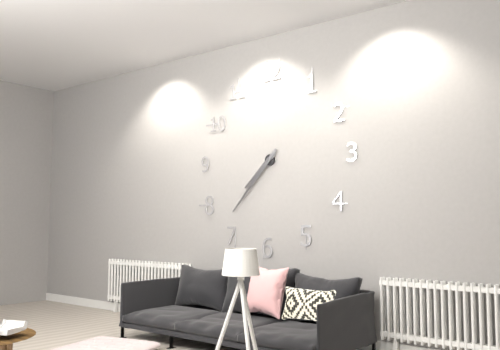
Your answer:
7 h 37 min
